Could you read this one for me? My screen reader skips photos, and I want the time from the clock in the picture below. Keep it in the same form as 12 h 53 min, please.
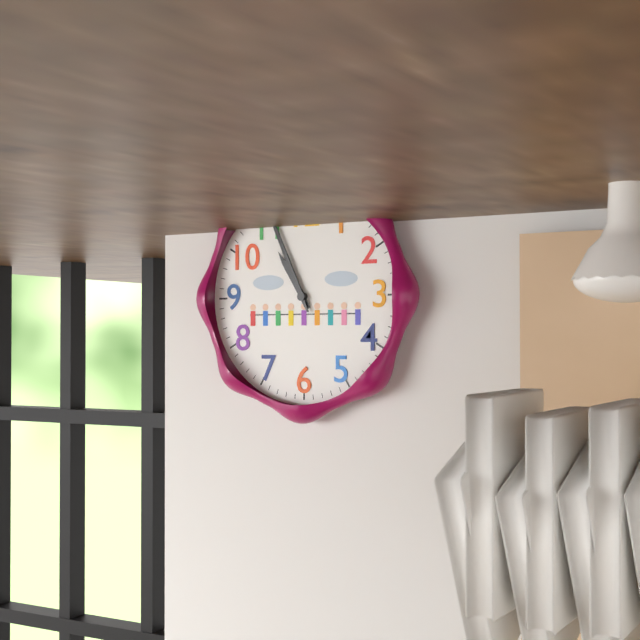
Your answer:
10 h 56 min
